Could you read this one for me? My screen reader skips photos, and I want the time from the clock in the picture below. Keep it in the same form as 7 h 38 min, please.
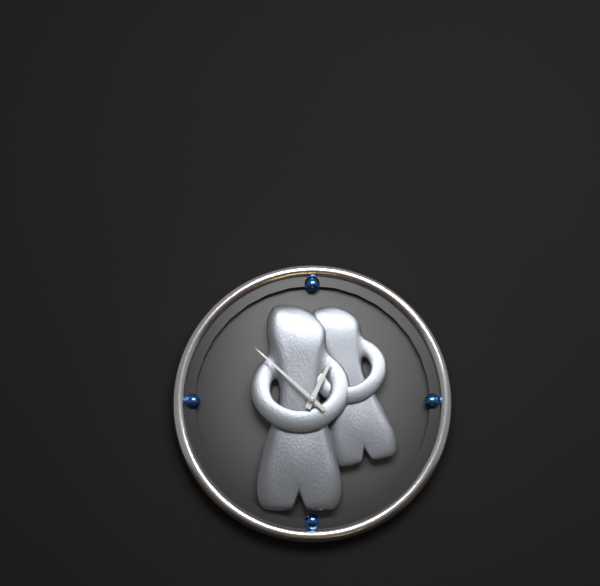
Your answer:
12 h 52 min
